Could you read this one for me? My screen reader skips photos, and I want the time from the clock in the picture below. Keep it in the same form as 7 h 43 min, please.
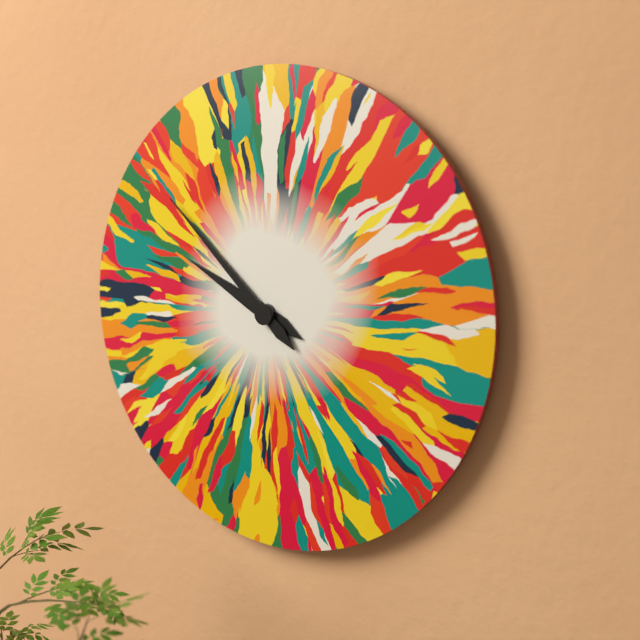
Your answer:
9 h 52 min
